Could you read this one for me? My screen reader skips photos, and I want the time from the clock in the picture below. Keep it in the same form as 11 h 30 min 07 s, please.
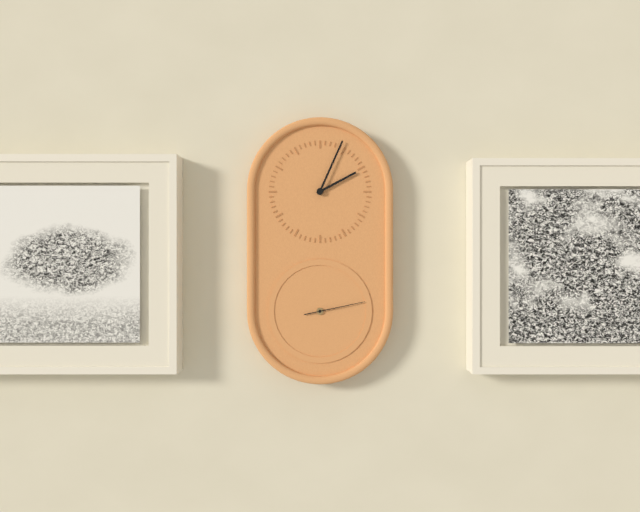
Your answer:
2 h 04 min 13 s
